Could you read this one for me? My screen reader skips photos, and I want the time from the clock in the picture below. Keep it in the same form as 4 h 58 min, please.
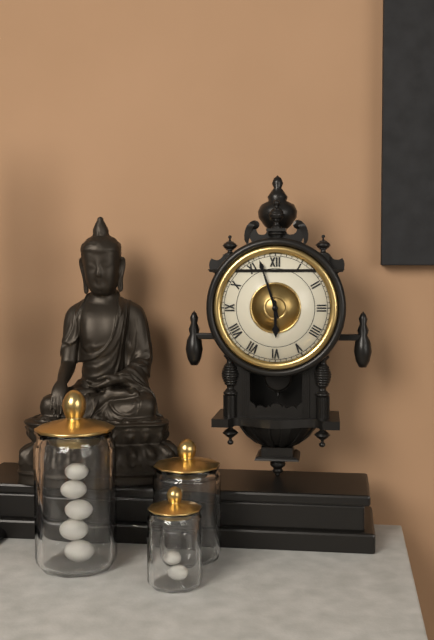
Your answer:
5 h 57 min
